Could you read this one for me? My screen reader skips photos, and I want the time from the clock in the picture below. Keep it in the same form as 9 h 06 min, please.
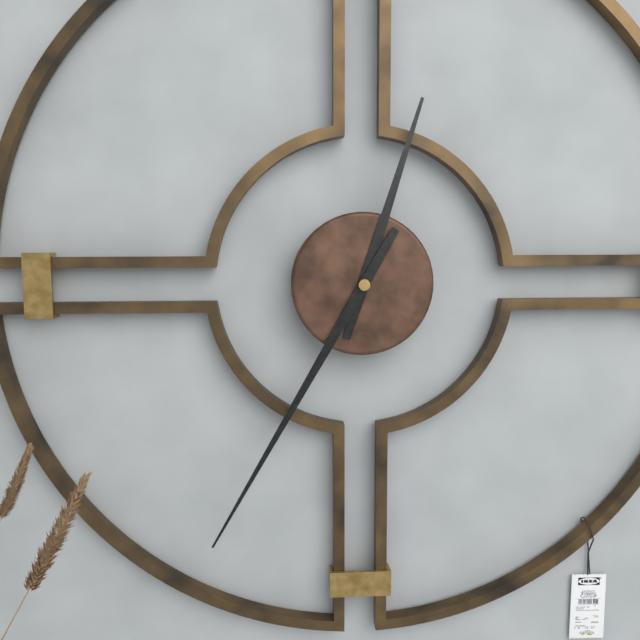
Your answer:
12 h 35 min
